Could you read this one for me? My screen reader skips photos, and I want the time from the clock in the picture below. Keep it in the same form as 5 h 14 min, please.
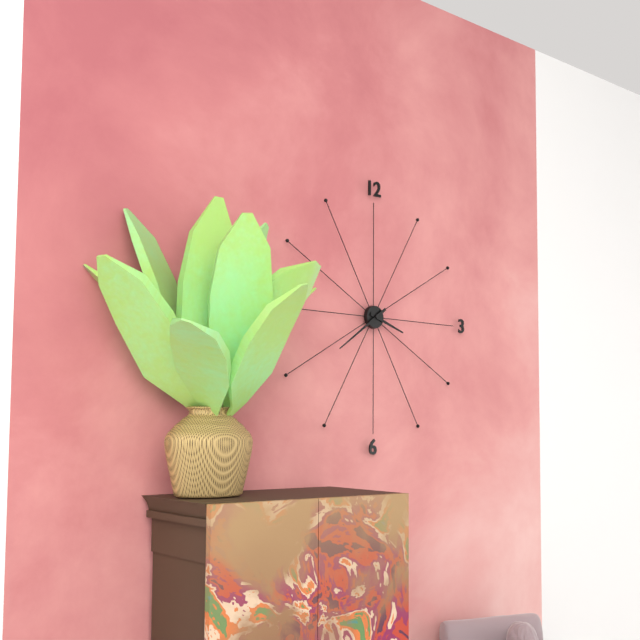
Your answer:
3 h 39 min
